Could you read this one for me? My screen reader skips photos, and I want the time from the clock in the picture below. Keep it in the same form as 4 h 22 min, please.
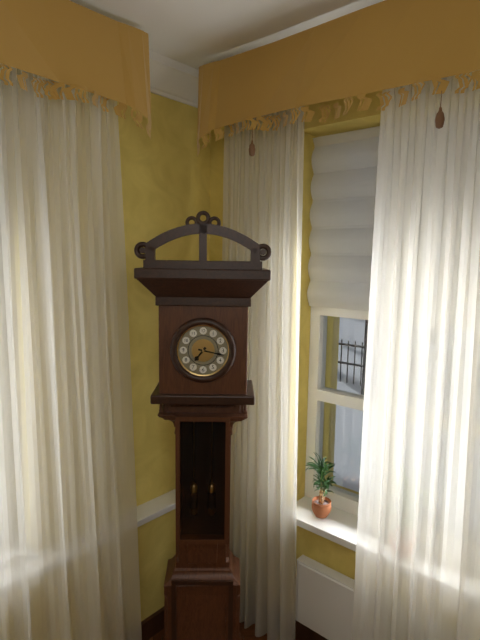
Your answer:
7 h 17 min
